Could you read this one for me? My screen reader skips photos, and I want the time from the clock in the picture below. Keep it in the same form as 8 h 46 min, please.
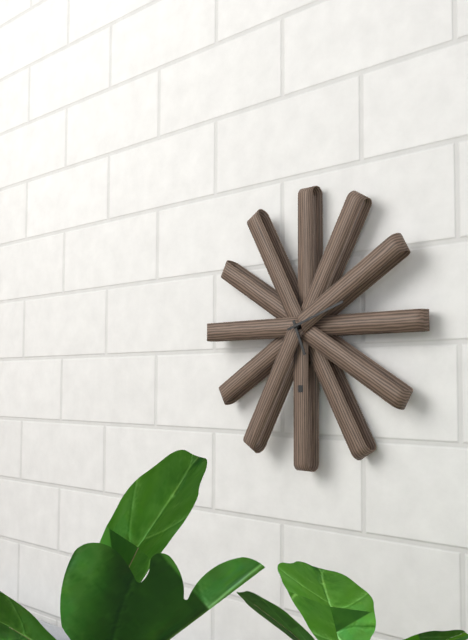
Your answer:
5 h 12 min
